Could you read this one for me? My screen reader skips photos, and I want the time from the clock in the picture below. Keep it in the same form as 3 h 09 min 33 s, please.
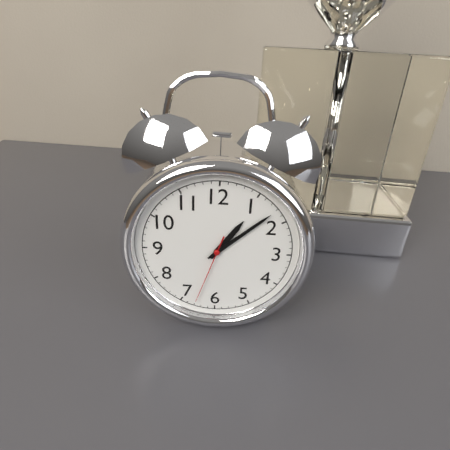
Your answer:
1 h 08 min 33 s
